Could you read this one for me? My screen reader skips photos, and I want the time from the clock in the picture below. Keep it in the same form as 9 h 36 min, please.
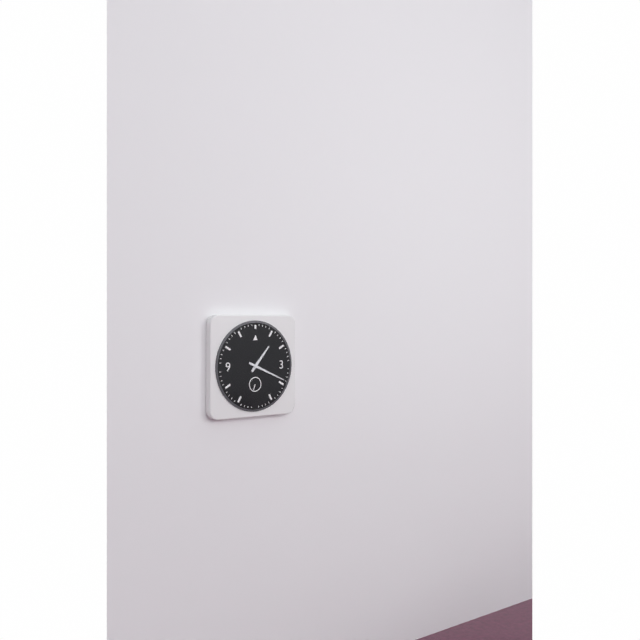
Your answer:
1 h 19 min
